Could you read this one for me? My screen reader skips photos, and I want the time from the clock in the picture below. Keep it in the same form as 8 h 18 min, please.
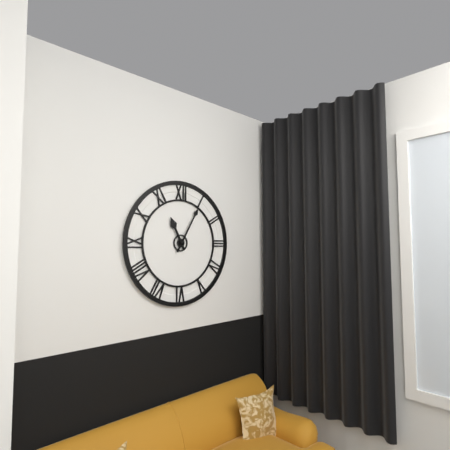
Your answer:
11 h 05 min
